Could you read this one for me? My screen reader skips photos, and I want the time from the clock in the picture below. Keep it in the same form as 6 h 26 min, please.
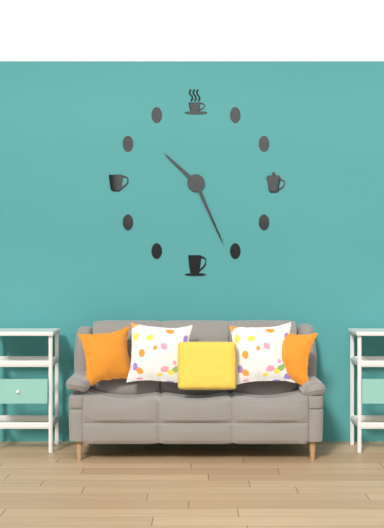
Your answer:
10 h 26 min
